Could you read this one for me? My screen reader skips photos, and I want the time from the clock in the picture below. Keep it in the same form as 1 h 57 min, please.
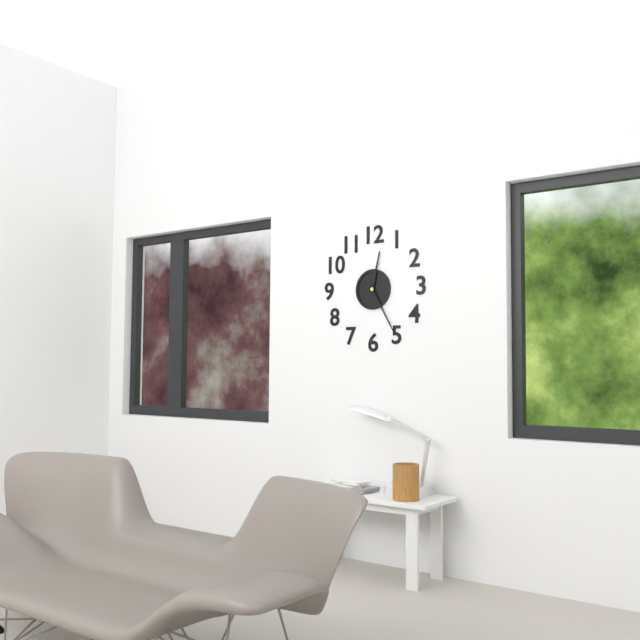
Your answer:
12 h 25 min
